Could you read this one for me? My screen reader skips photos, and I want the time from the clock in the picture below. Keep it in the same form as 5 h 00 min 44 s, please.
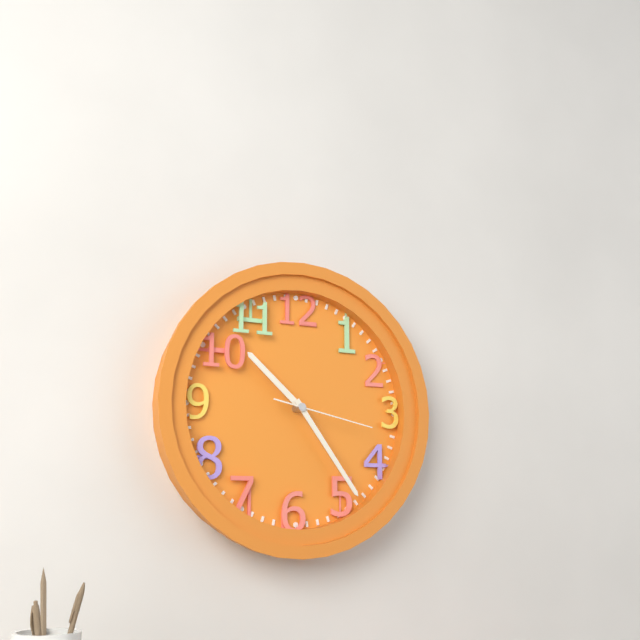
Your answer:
10 h 24 min 17 s
